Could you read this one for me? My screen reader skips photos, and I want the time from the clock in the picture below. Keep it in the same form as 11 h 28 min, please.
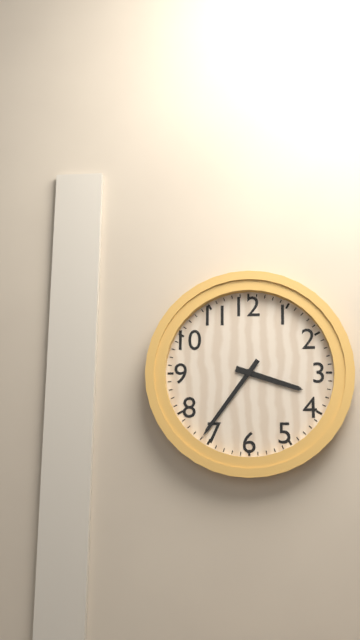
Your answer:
3 h 36 min
